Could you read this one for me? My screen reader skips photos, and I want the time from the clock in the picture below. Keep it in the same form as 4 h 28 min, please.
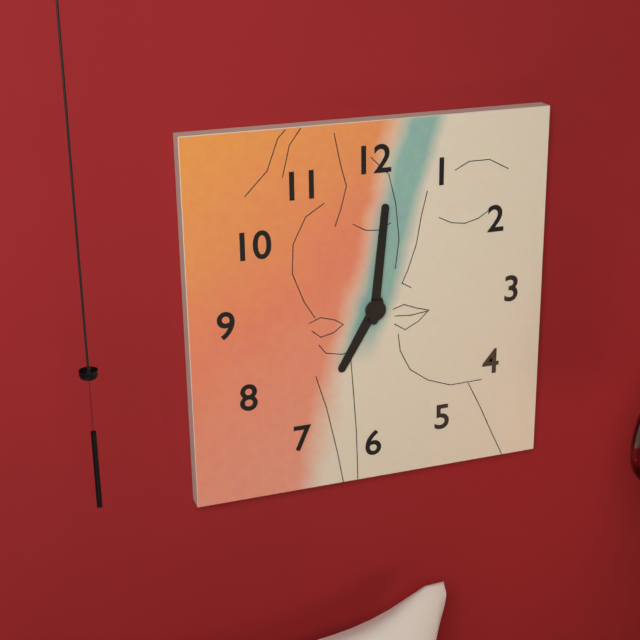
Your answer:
7 h 01 min
